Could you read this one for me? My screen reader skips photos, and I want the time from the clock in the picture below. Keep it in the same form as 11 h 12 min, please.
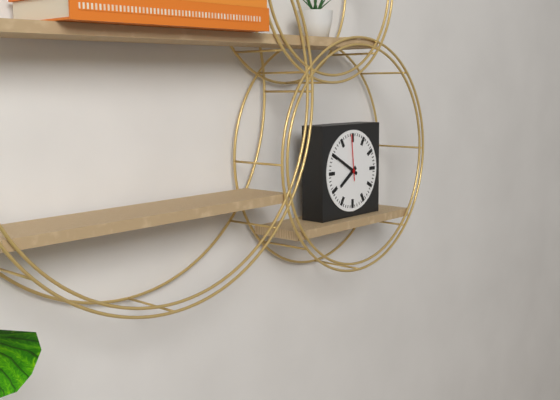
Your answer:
7 h 50 min
